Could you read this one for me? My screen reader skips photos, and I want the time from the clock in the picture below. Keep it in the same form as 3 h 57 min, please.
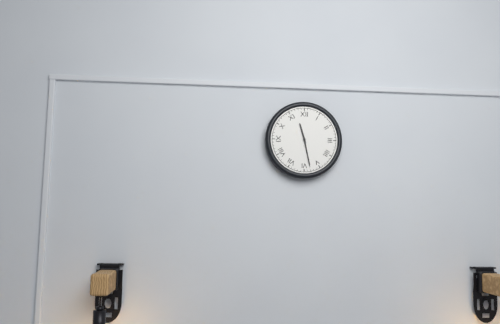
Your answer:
11 h 28 min
